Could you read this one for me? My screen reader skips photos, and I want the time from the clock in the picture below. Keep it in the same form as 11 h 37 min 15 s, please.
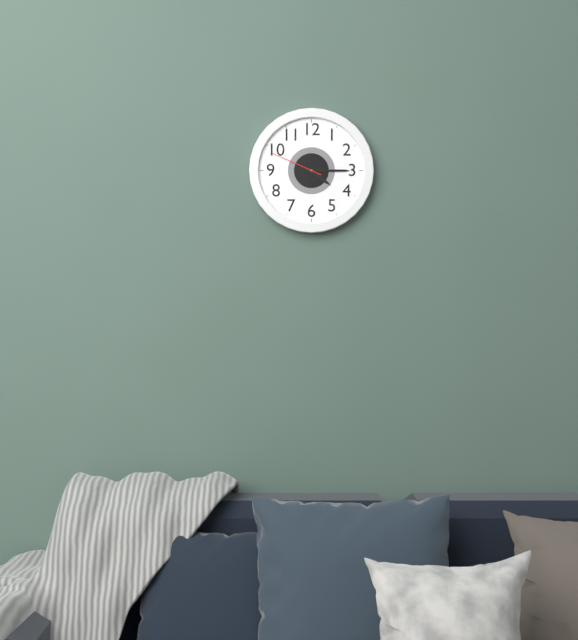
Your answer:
4 h 15 min 49 s
